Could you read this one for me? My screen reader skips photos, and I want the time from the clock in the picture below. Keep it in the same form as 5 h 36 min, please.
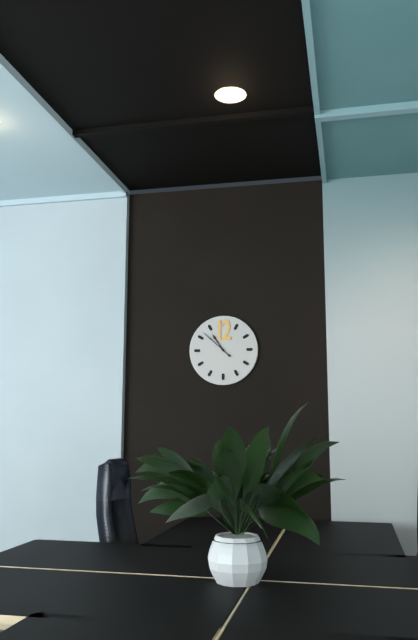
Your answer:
10 h 52 min
